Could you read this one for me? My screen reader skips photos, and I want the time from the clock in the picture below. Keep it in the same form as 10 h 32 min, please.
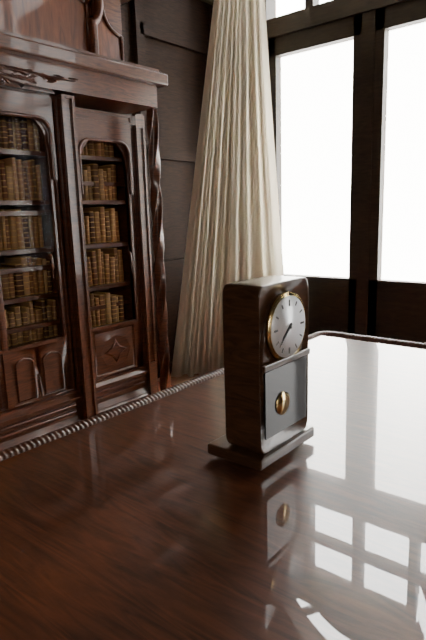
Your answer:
7 h 38 min
